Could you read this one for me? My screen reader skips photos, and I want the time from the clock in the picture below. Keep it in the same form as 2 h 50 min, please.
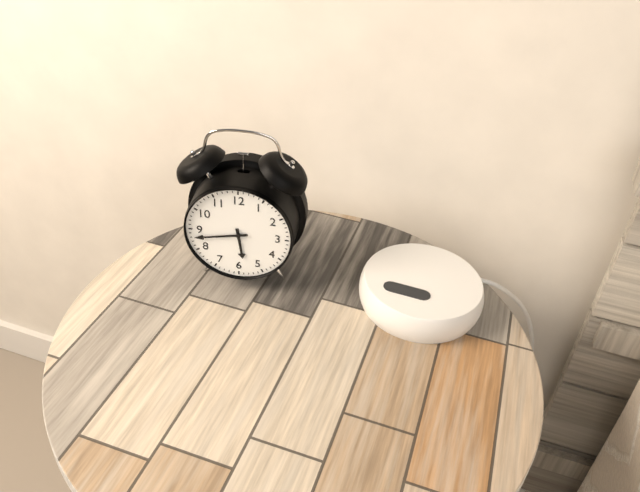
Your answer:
5 h 43 min
